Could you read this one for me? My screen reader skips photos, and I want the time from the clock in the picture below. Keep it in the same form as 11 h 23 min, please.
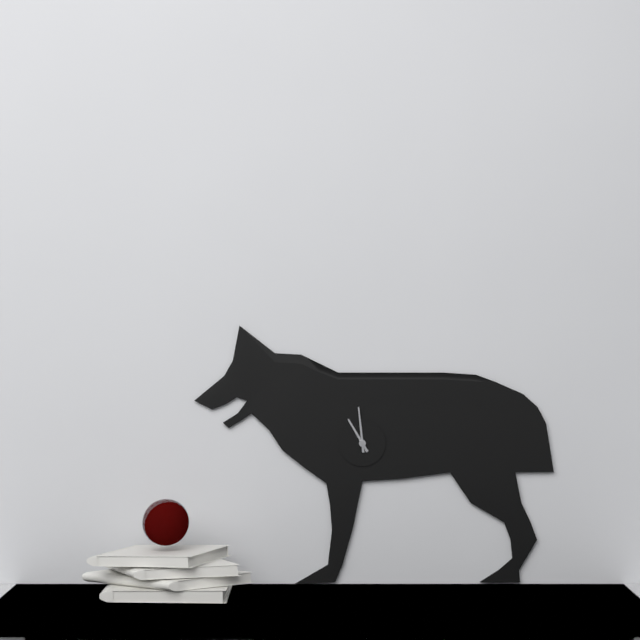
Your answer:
10 h 59 min
